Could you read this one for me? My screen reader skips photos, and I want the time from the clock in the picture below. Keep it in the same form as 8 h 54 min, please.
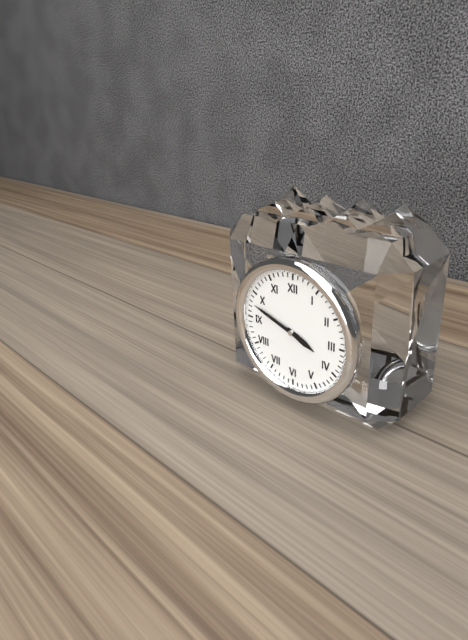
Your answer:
3 h 48 min
